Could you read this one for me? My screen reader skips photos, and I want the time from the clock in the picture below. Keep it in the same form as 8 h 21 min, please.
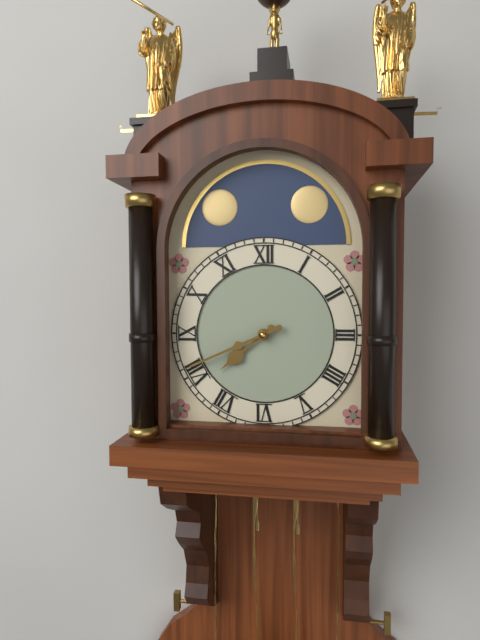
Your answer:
7 h 41 min
